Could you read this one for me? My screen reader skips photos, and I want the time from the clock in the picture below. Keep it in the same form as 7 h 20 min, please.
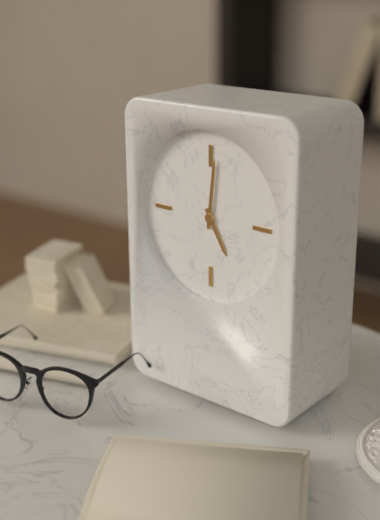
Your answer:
5 h 01 min
